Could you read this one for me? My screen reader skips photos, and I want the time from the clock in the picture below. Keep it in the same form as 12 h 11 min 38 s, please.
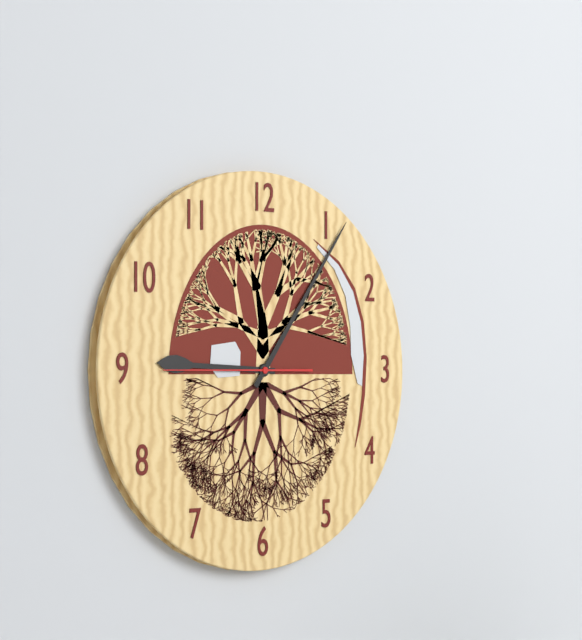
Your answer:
9 h 06 min 45 s
